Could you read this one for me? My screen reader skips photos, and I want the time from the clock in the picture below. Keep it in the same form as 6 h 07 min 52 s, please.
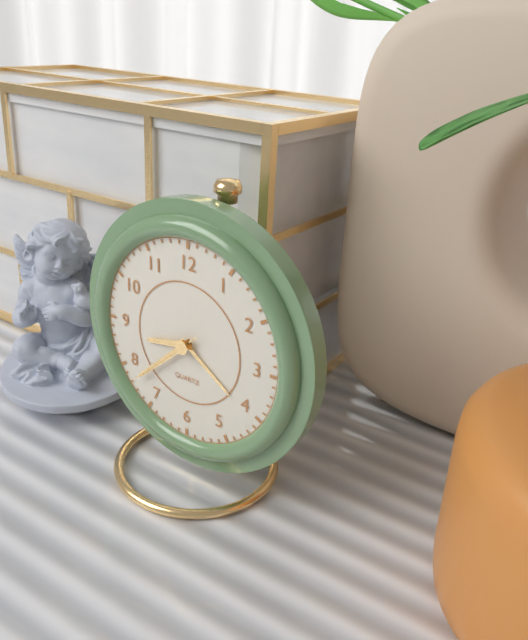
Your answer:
8 h 38 min 38 s
